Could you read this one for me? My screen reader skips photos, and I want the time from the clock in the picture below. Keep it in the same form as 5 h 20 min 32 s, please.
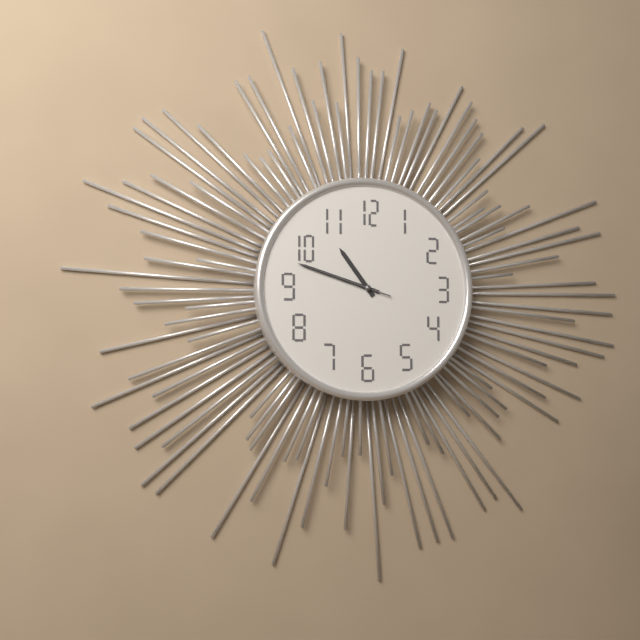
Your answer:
10 h 48 min 48 s
